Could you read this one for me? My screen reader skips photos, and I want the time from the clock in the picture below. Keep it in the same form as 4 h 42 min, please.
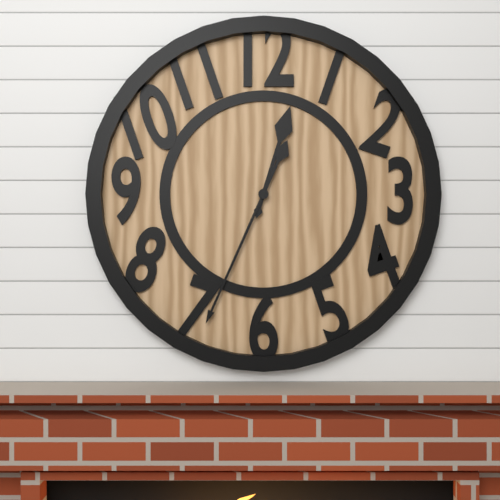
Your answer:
12 h 34 min
